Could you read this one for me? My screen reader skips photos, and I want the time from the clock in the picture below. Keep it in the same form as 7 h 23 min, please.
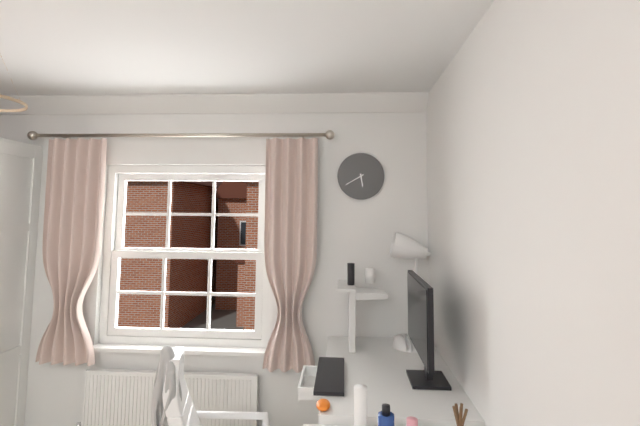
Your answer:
5 h 40 min
